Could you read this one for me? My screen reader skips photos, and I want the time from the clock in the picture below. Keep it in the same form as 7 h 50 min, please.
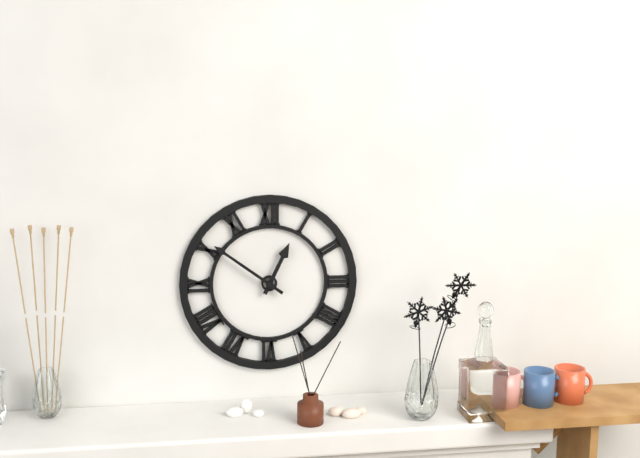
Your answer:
12 h 51 min
